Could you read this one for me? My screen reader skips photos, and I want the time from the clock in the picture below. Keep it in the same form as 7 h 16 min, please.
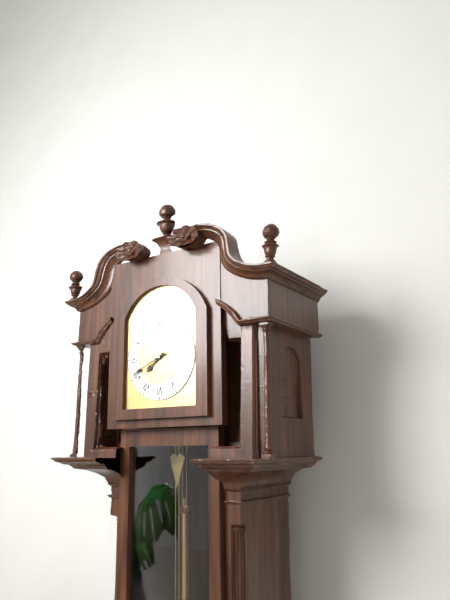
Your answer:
7 h 41 min
